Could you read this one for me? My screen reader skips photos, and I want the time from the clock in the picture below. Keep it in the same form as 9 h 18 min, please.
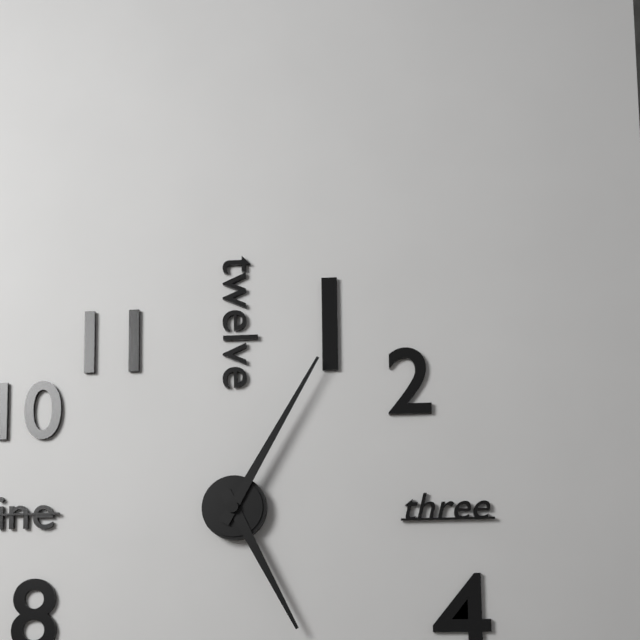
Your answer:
5 h 05 min
